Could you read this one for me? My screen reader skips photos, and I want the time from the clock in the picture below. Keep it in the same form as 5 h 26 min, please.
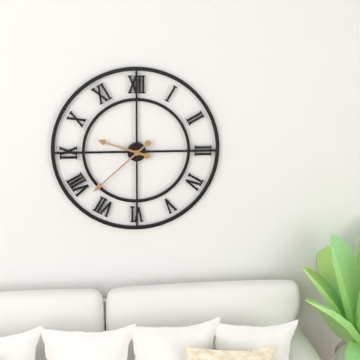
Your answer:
9 h 38 min
